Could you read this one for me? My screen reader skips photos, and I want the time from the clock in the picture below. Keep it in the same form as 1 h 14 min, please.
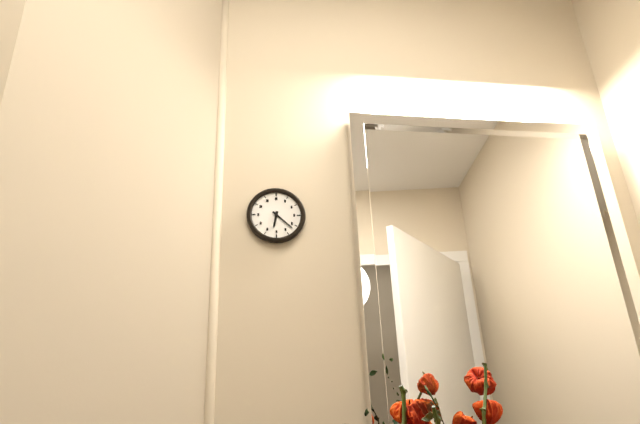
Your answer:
6 h 22 min
